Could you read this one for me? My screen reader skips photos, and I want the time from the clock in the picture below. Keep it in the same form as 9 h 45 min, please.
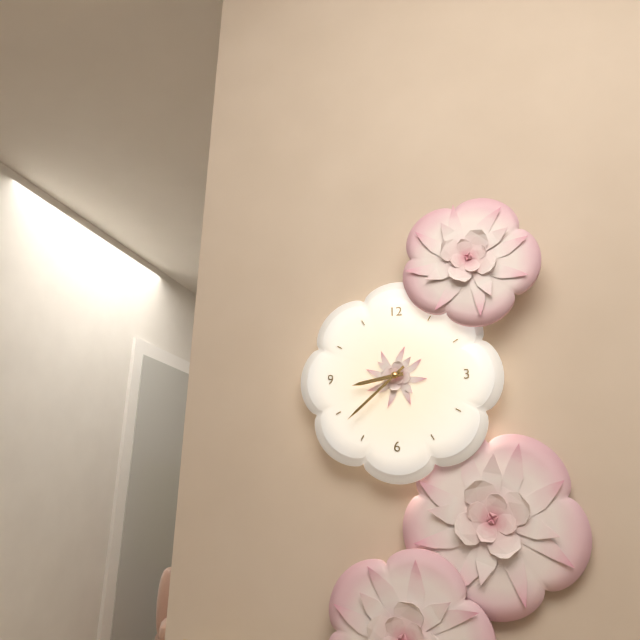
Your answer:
8 h 38 min
